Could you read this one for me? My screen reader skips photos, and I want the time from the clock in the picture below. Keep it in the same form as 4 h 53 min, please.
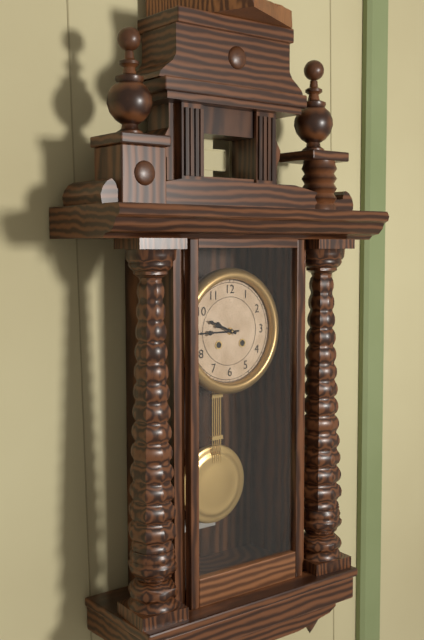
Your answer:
9 h 45 min
